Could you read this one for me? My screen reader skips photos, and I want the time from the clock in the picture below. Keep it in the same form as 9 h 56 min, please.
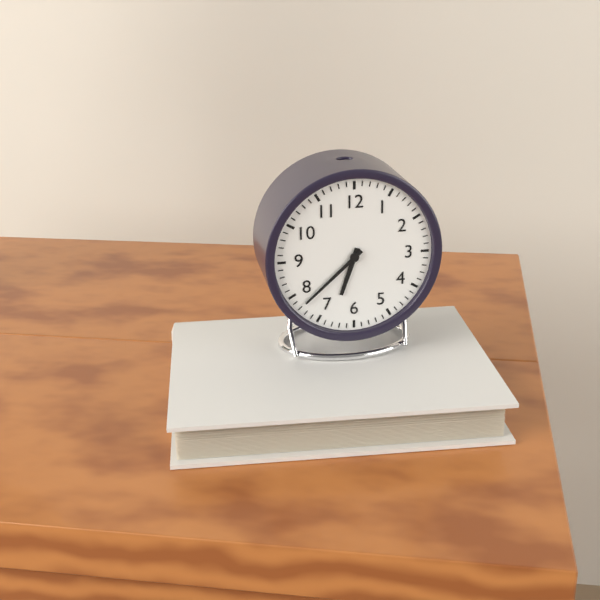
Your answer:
6 h 38 min
